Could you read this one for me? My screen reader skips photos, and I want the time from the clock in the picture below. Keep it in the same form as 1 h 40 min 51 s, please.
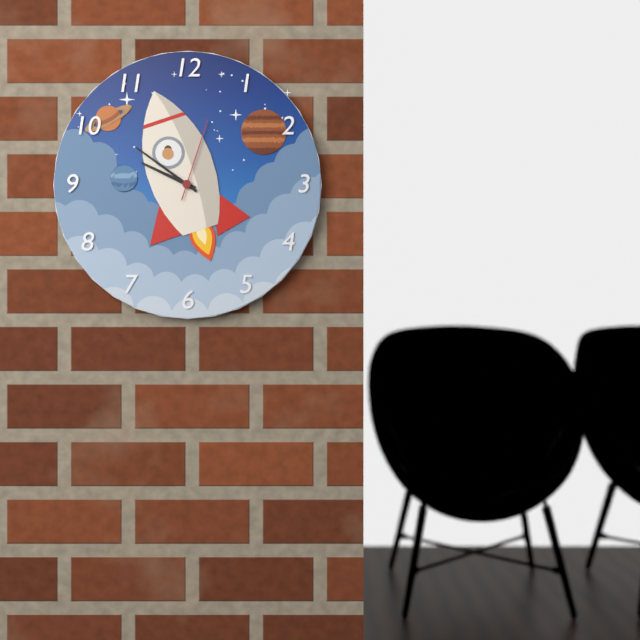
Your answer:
9 h 51 min 03 s
